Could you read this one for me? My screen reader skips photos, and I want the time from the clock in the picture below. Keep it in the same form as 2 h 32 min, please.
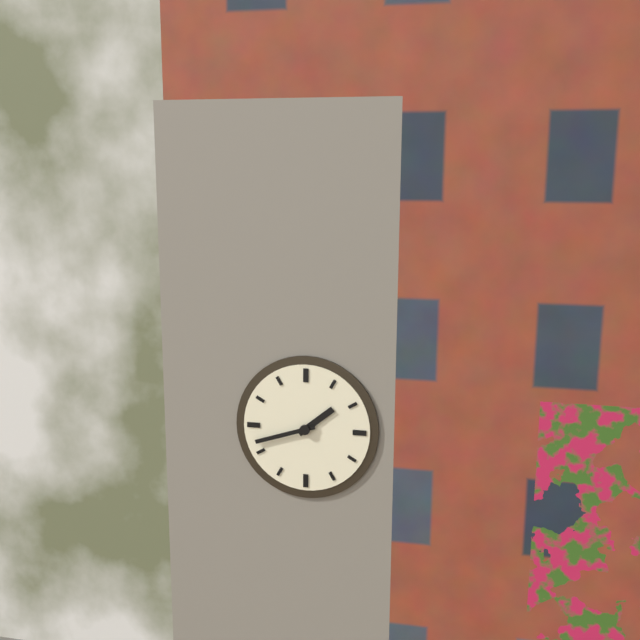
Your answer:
1 h 42 min
